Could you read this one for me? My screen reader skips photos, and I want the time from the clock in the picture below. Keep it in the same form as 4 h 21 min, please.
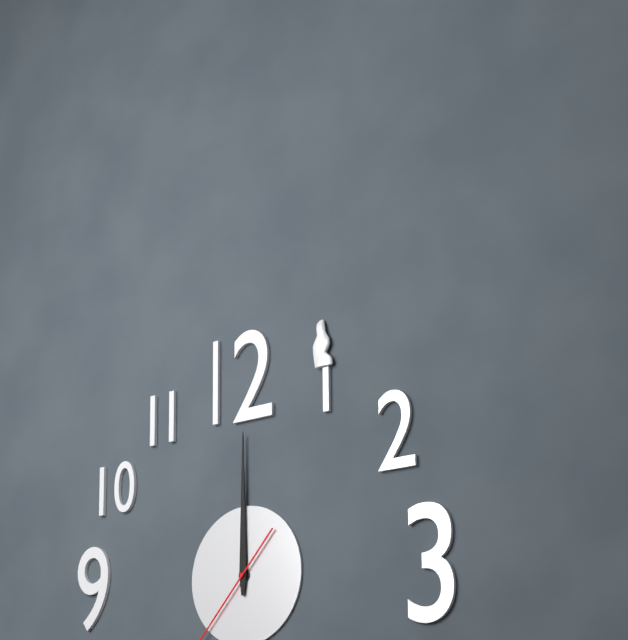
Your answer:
12 h 00 min
